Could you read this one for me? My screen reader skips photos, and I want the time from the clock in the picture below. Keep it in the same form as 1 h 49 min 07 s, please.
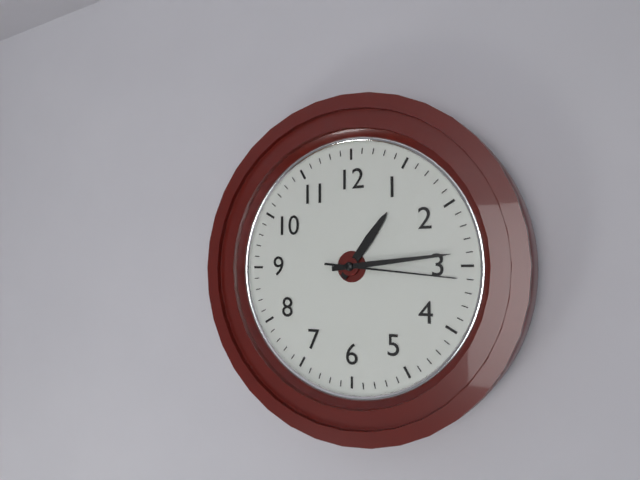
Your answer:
1 h 14 min 16 s
